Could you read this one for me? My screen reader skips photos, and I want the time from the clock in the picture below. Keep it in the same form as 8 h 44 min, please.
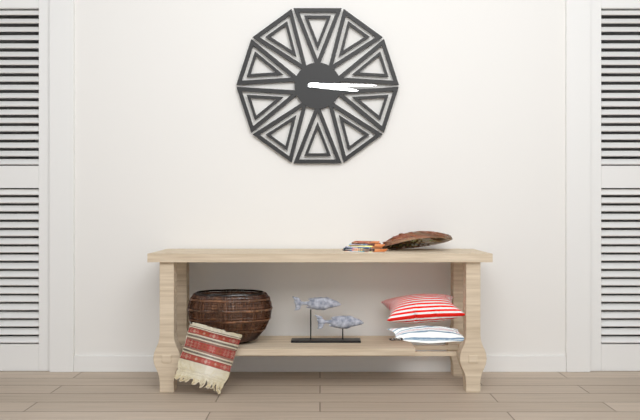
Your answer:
3 h 15 min
